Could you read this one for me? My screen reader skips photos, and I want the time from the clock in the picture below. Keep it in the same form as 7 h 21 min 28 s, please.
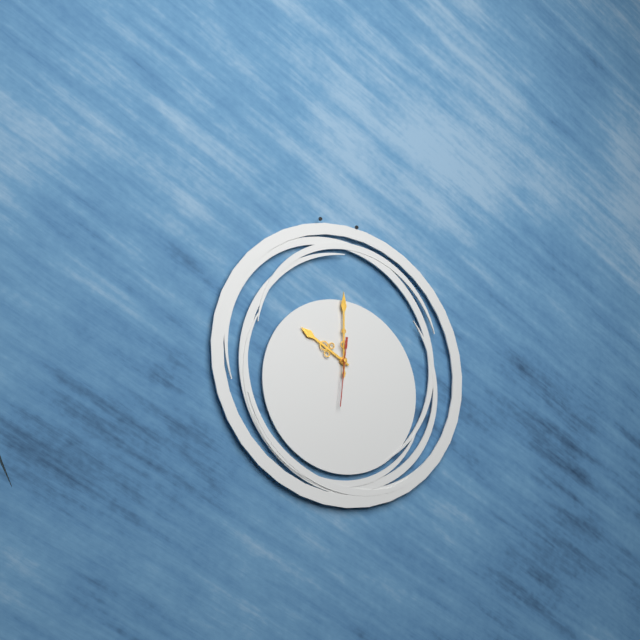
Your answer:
10 h 00 min 31 s
